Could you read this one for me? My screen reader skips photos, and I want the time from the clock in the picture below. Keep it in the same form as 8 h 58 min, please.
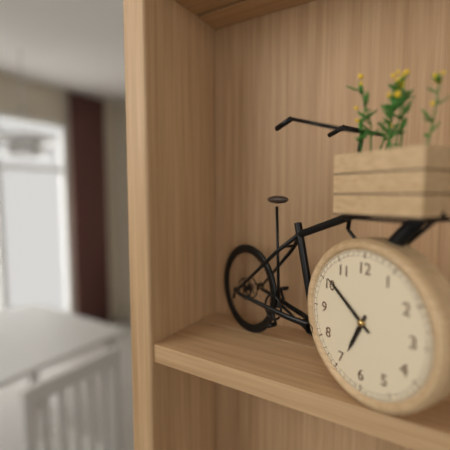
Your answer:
6 h 51 min
